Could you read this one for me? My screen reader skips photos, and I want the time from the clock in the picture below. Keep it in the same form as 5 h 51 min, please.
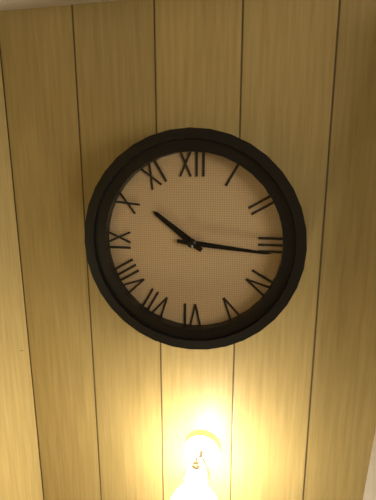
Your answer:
10 h 16 min
